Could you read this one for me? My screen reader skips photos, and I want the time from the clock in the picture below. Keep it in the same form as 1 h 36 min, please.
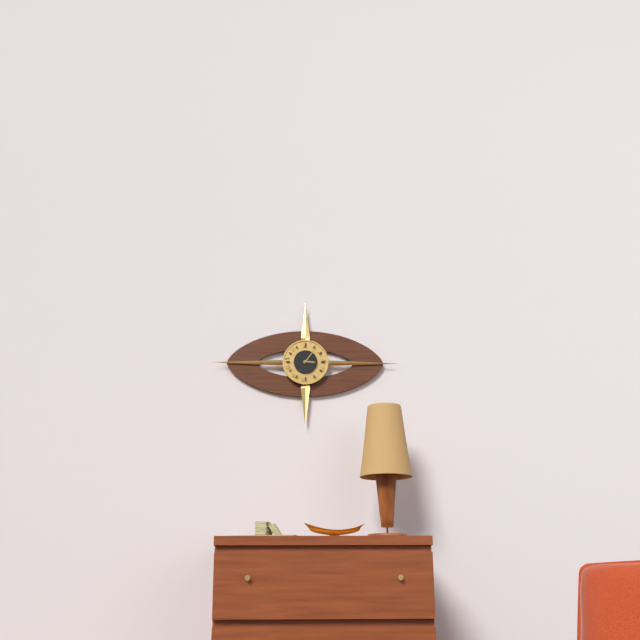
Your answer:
3 h 06 min
